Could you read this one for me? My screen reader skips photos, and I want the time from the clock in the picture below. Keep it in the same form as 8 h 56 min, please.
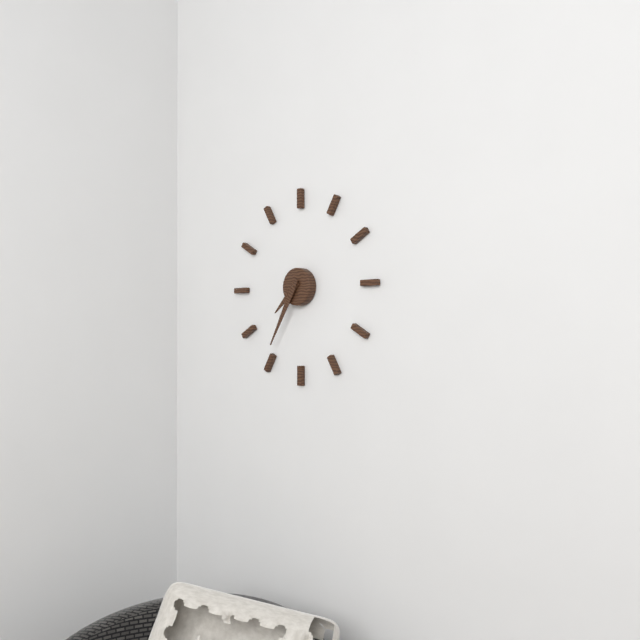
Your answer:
7 h 35 min
